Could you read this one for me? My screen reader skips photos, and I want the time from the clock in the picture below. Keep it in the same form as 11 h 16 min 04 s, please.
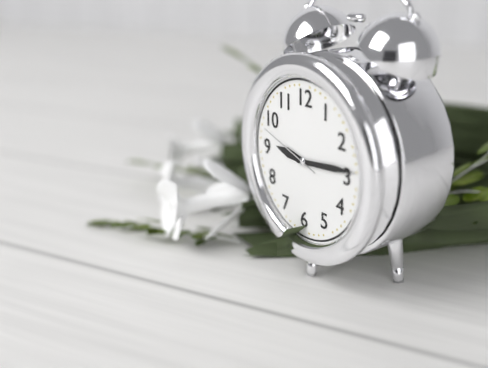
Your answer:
9 h 14 min 48 s
